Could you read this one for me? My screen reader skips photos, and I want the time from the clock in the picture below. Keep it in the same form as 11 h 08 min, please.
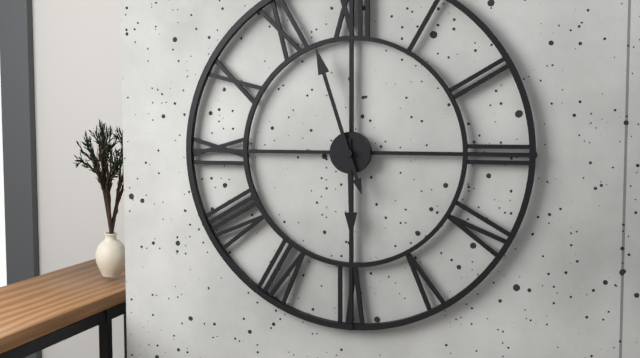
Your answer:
5 h 57 min
